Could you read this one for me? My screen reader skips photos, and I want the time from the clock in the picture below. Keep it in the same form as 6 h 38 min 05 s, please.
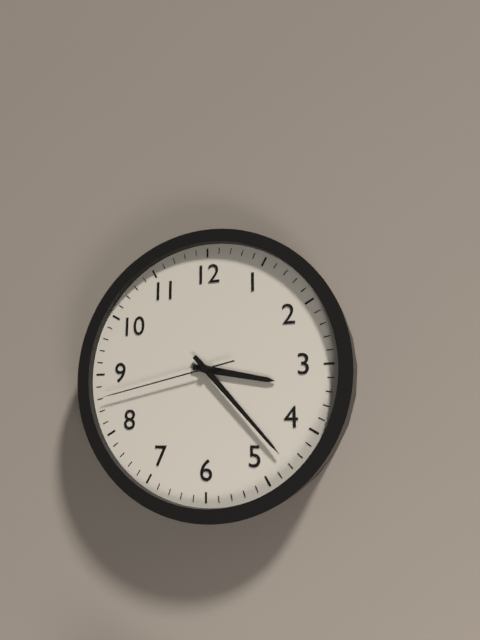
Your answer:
3 h 23 min 43 s
